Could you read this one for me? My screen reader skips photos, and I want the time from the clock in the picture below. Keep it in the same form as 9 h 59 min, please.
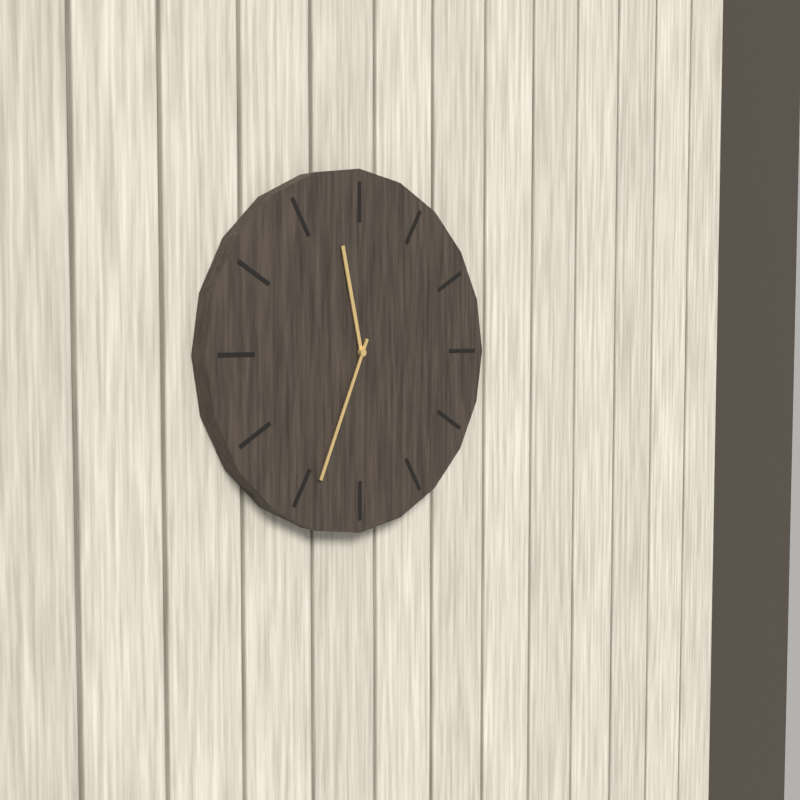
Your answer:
11 h 34 min
